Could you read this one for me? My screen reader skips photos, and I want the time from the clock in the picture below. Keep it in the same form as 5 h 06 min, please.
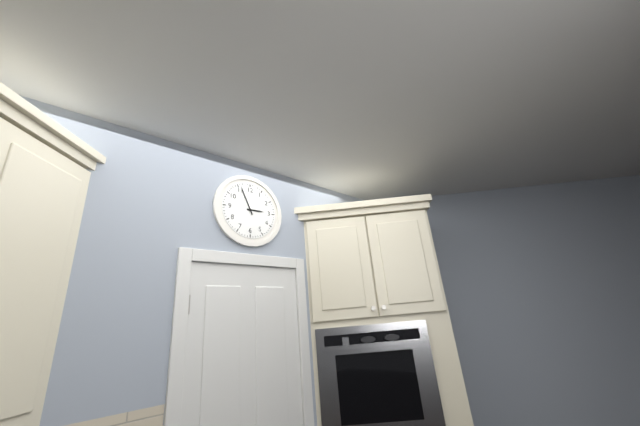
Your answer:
2 h 56 min
